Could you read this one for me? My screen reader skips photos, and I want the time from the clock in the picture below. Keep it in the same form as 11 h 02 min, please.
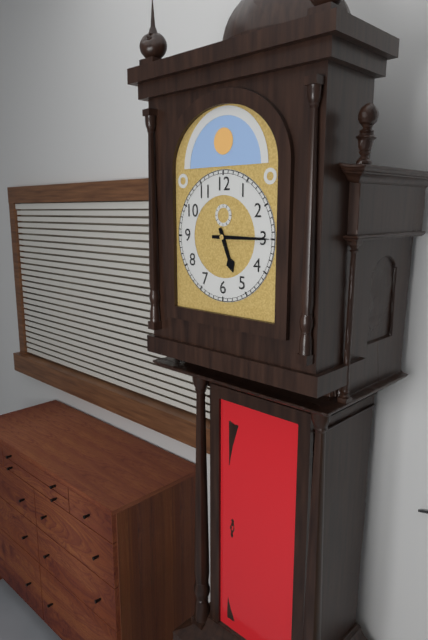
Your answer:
5 h 15 min
